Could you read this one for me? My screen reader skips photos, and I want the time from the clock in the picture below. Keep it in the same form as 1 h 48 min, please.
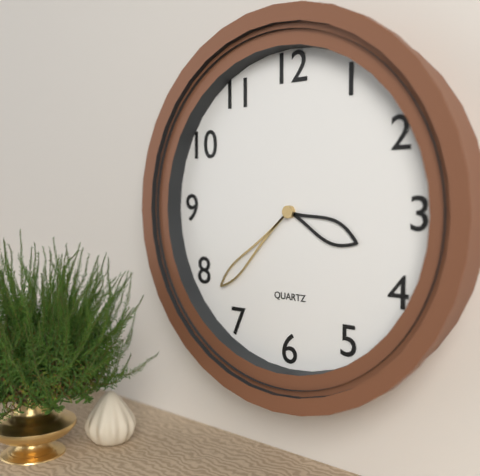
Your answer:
3 h 38 min
